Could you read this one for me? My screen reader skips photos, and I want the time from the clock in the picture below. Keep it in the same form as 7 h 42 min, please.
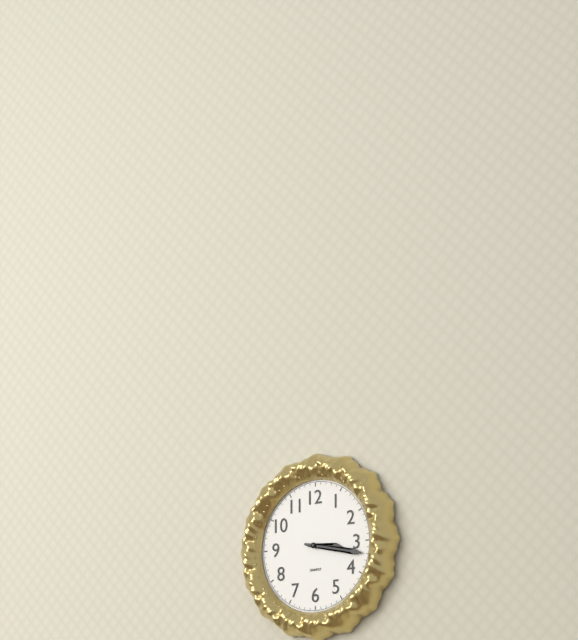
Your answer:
3 h 17 min
